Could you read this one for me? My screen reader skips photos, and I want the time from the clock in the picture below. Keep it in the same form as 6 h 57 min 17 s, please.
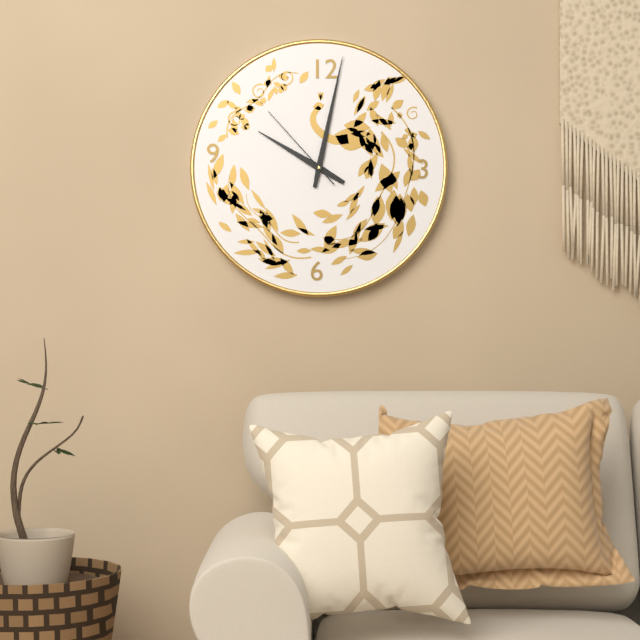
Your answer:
10 h 02 min 53 s
